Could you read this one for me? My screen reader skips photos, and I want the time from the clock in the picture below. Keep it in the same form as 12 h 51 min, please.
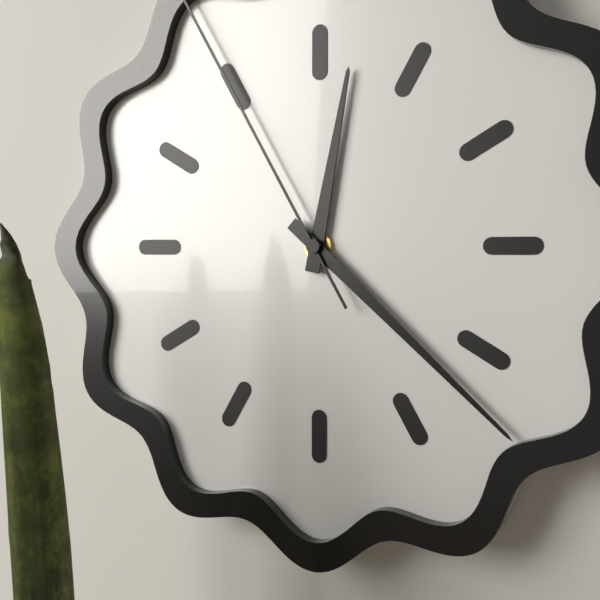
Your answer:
12 h 22 min
